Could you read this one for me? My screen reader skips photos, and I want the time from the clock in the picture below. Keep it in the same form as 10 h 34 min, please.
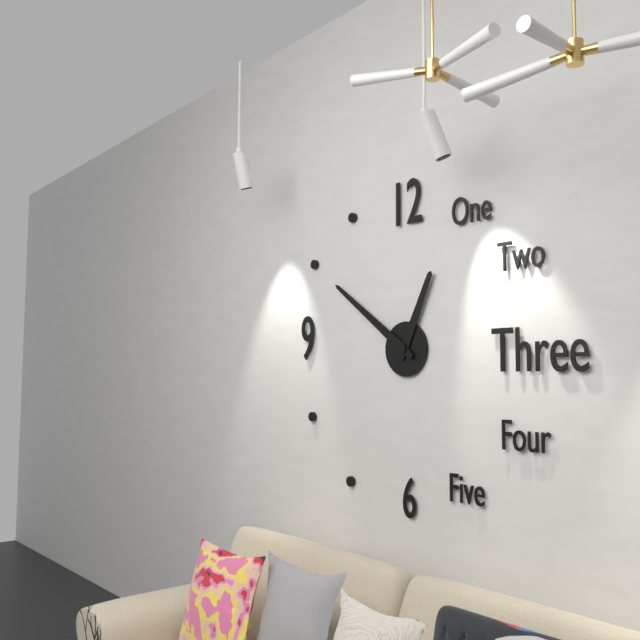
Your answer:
12 h 51 min
